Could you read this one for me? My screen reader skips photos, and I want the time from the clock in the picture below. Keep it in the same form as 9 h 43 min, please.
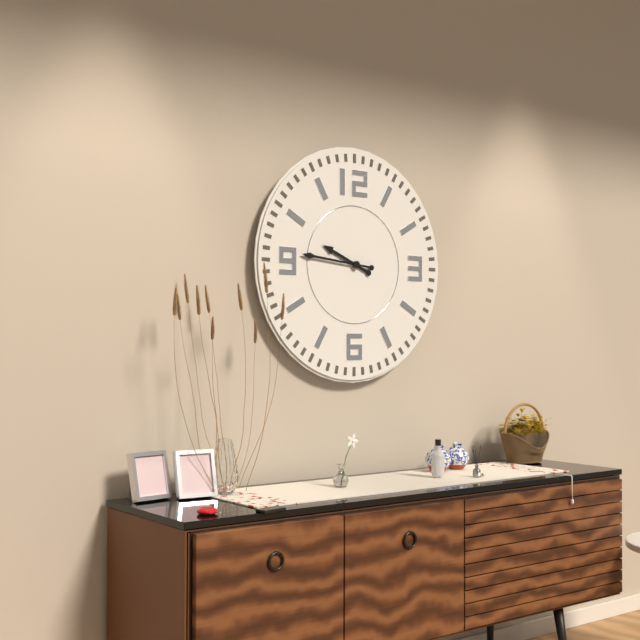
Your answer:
9 h 46 min
